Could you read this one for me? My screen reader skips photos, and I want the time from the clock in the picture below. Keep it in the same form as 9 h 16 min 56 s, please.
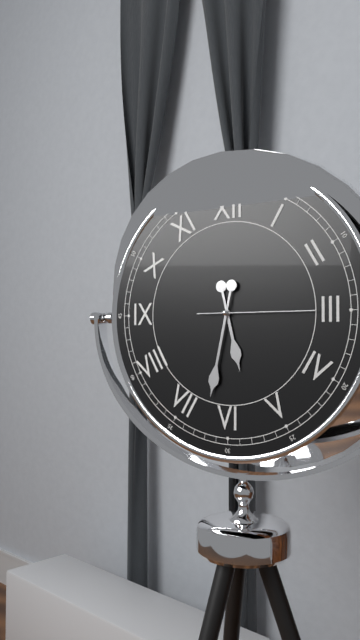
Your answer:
5 h 32 min 15 s
